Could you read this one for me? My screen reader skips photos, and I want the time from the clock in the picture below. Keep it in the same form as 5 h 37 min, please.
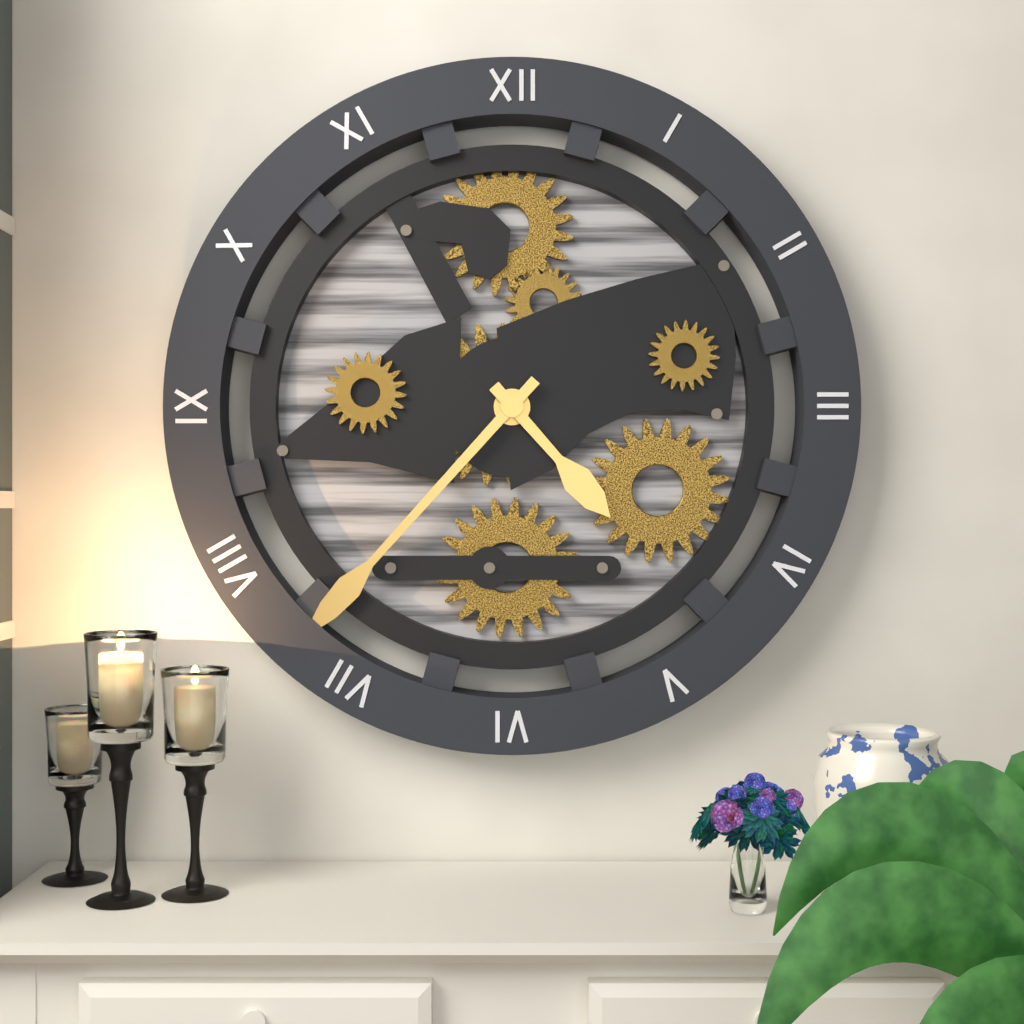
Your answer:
4 h 37 min
